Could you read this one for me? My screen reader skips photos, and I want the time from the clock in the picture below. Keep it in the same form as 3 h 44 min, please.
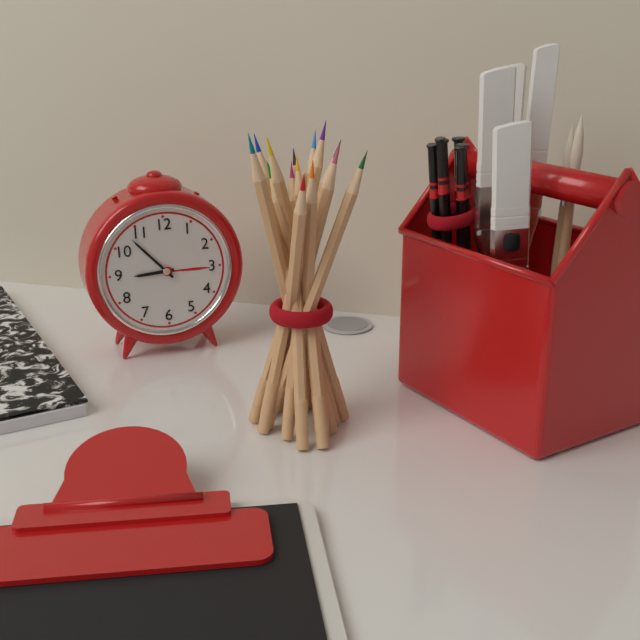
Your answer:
8 h 53 min
